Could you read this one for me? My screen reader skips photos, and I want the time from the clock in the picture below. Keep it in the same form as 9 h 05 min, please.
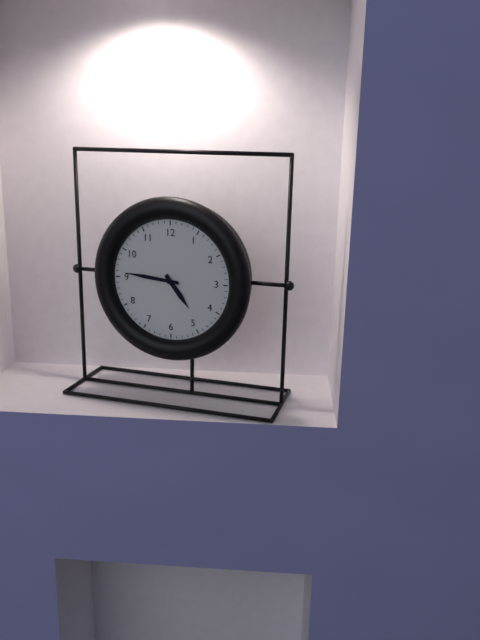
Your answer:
4 h 46 min
